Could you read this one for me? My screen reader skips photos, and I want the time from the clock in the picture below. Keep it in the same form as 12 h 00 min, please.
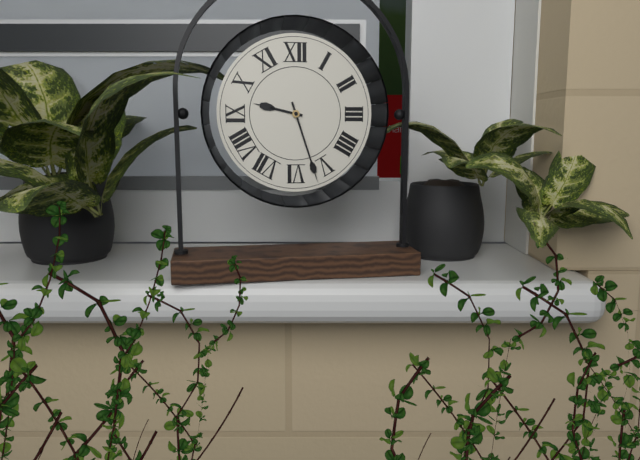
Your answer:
9 h 27 min
